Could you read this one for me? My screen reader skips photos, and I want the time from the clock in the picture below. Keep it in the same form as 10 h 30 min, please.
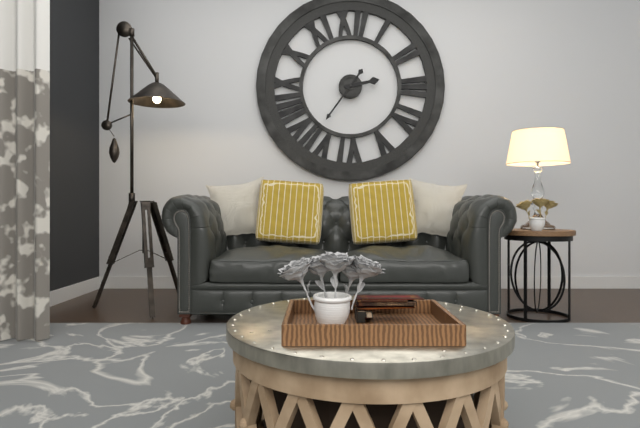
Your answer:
2 h 36 min
